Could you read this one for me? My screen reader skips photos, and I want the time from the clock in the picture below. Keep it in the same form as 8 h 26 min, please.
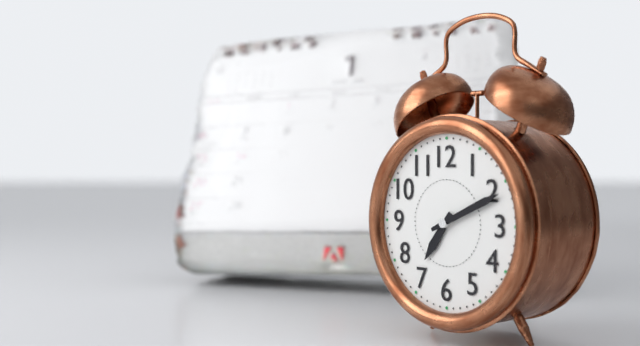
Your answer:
7 h 11 min
